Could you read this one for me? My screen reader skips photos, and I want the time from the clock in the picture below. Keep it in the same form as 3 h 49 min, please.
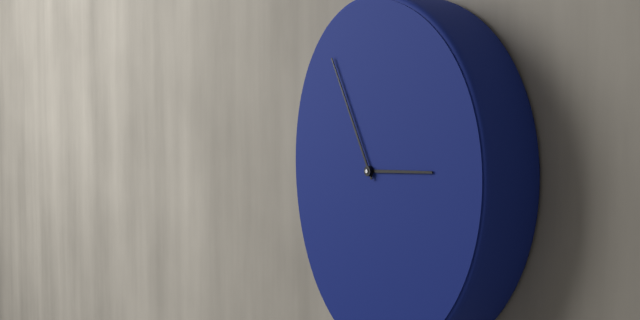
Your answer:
2 h 55 min
